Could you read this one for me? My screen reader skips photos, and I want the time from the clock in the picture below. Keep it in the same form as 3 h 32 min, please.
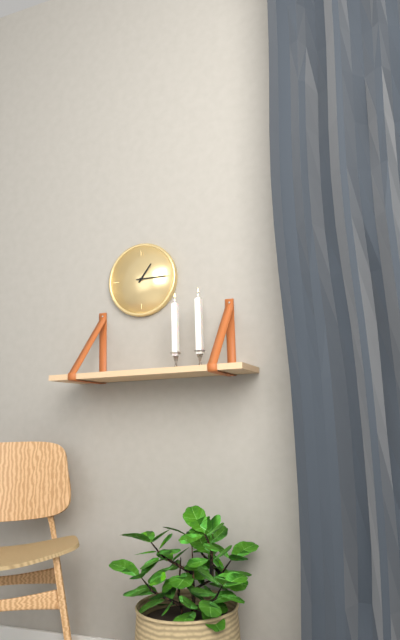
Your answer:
1 h 15 min
